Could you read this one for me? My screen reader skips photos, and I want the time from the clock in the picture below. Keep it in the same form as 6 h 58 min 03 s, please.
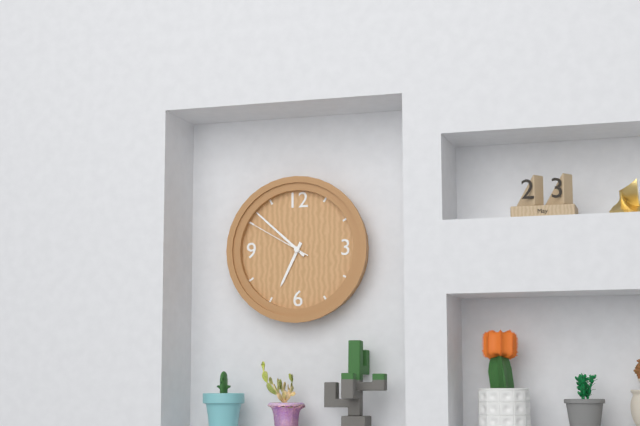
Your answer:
6 h 52 min 50 s
